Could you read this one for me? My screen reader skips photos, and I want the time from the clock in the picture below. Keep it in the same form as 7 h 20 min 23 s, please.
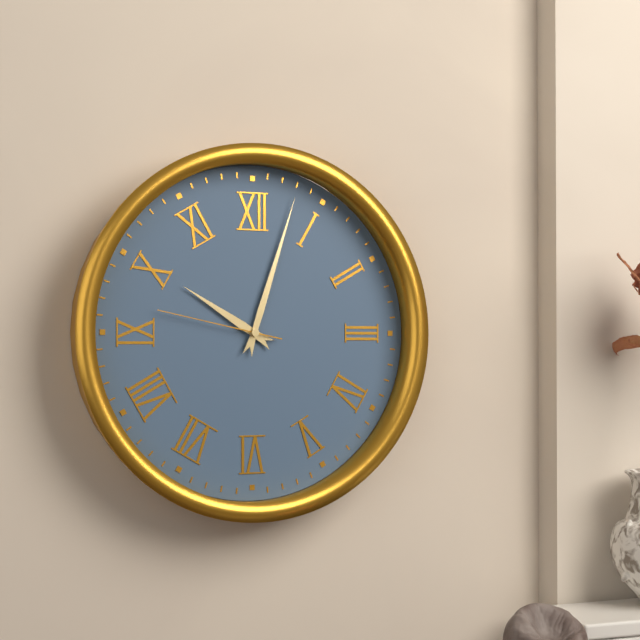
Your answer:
10 h 03 min 47 s
